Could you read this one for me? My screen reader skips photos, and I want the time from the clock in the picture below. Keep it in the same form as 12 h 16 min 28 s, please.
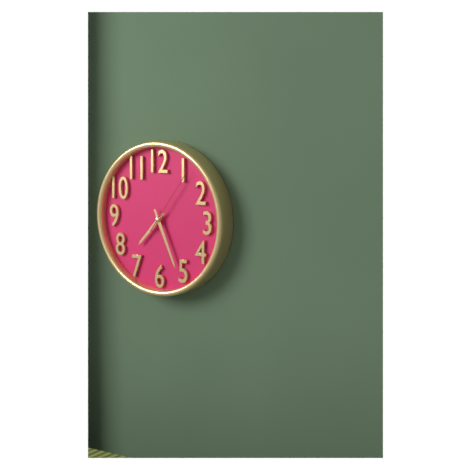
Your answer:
7 h 26 min 06 s
